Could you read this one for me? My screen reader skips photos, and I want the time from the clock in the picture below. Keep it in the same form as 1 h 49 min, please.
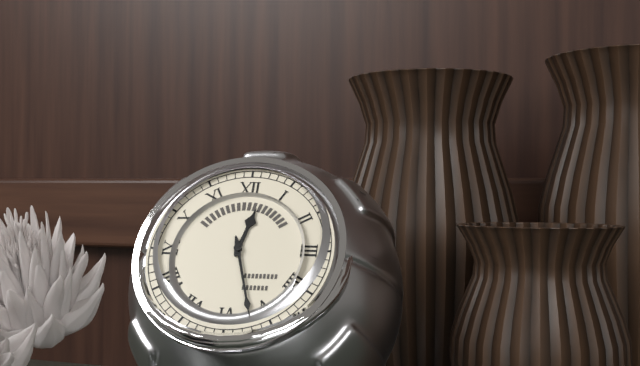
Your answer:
12 h 27 min
